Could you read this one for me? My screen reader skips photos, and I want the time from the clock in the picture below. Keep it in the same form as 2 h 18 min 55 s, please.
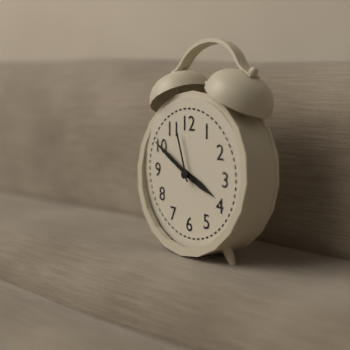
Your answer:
3 h 50 min 57 s
